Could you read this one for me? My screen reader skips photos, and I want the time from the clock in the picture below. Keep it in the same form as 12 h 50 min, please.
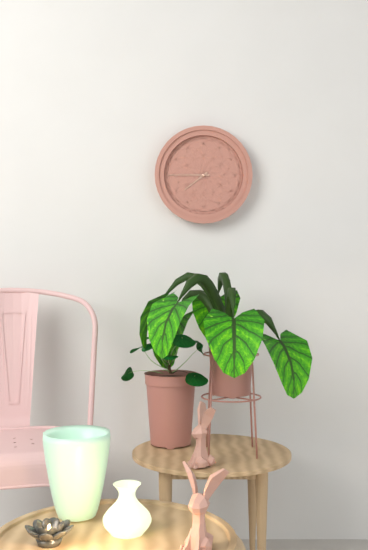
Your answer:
7 h 45 min
